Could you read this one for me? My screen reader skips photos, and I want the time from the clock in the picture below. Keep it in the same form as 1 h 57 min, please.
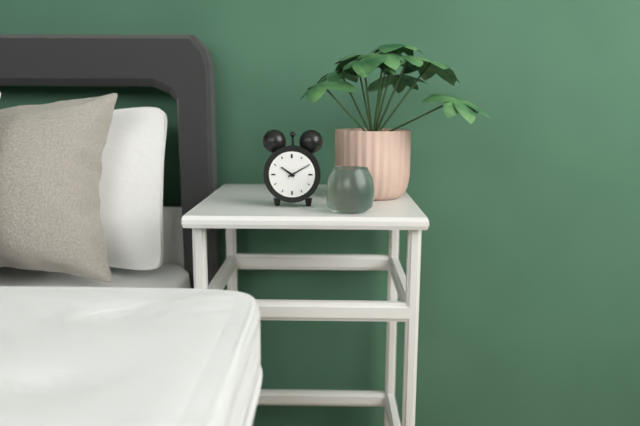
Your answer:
10 h 10 min
